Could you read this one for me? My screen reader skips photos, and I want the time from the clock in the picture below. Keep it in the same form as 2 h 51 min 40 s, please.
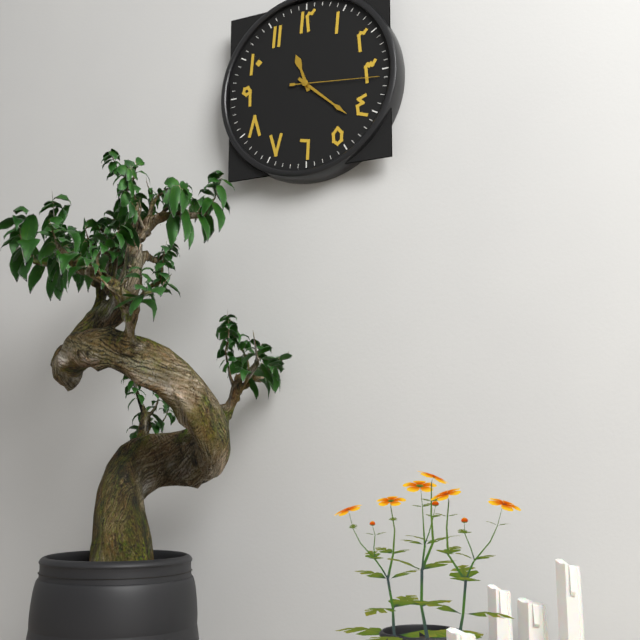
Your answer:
11 h 22 min 16 s
